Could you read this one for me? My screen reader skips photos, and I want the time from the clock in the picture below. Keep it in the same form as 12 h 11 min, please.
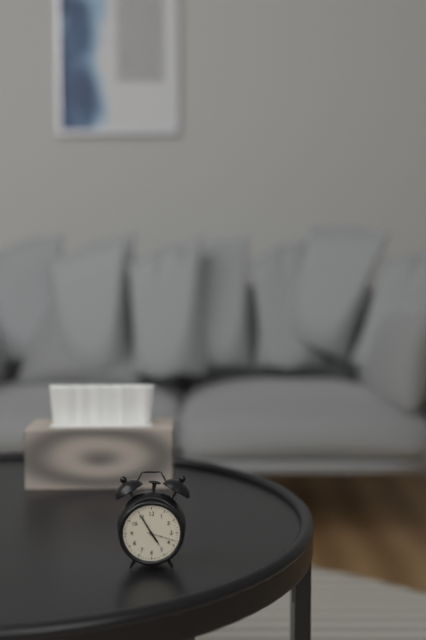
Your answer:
4 h 55 min
